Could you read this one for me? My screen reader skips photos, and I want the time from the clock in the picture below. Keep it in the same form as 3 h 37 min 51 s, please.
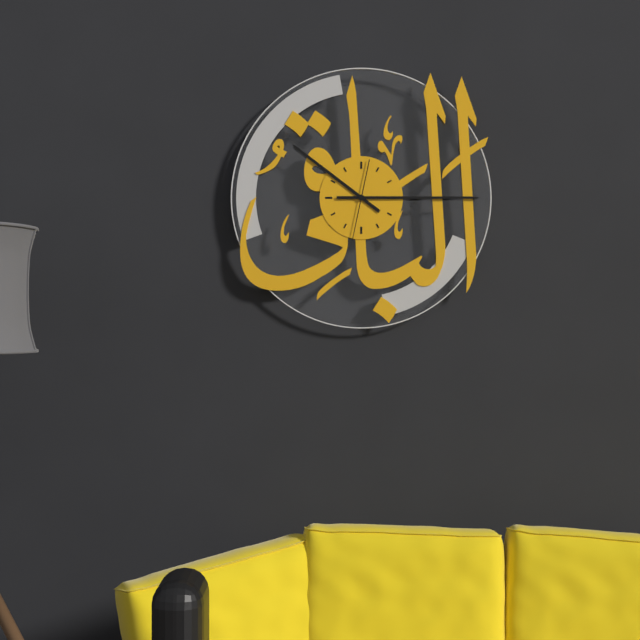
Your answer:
10 h 15 min 32 s
